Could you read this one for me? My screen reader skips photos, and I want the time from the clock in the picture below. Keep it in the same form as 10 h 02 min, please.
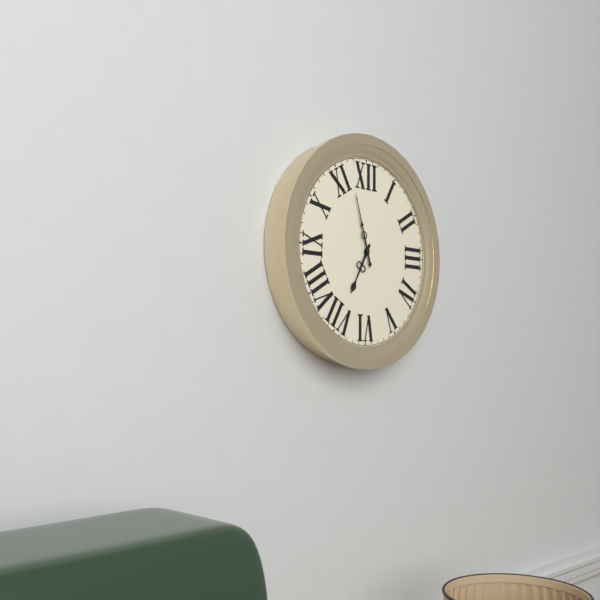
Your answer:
6 h 57 min
